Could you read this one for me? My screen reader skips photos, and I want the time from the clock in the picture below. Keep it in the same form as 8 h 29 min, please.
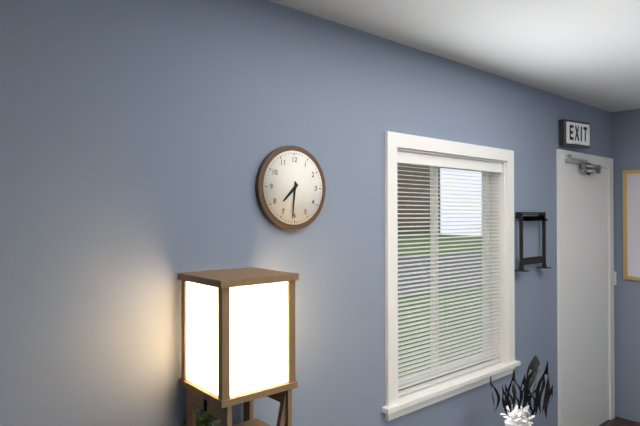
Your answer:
7 h 31 min
